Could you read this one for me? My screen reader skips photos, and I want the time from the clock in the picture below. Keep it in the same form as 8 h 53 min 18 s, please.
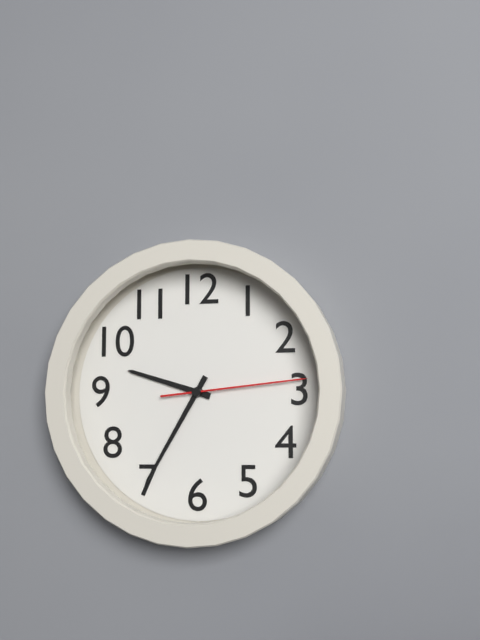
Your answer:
9 h 35 min 14 s
